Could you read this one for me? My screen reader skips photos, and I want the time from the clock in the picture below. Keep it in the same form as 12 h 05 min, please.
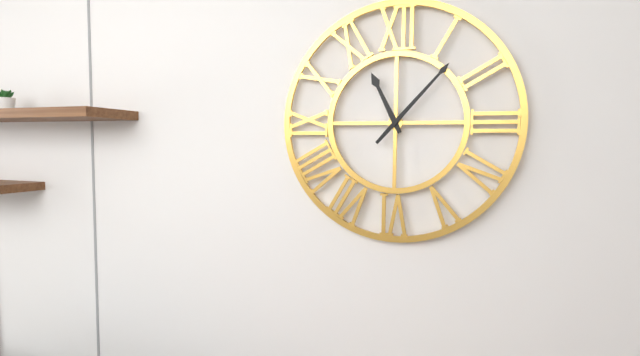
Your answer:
11 h 07 min
